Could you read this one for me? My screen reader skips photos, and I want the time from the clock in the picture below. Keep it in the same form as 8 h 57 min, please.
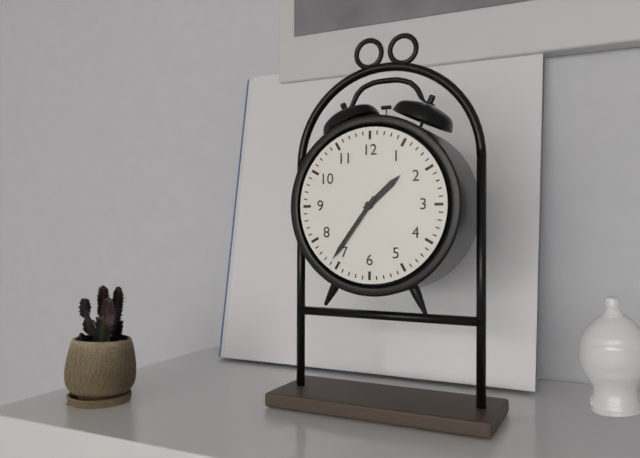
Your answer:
1 h 36 min
